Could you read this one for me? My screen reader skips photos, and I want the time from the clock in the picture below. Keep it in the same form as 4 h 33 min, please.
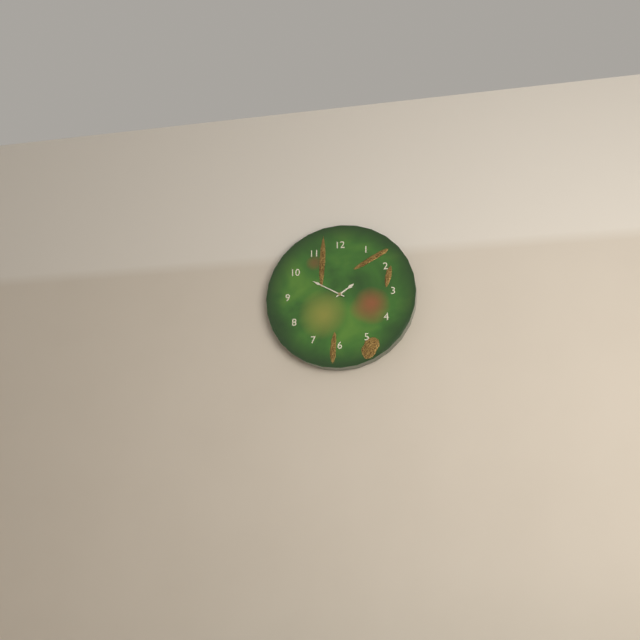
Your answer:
1 h 50 min
